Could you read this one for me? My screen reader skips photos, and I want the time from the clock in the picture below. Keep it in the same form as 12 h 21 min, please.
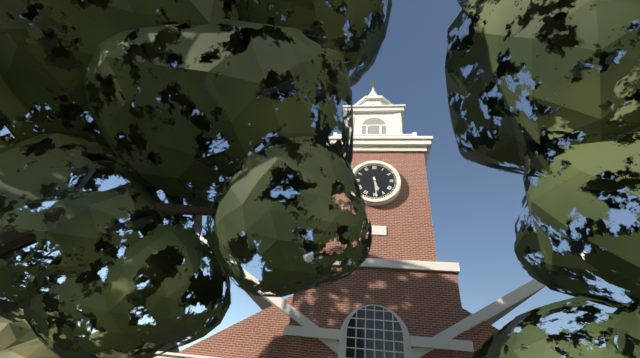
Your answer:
5 h 29 min
